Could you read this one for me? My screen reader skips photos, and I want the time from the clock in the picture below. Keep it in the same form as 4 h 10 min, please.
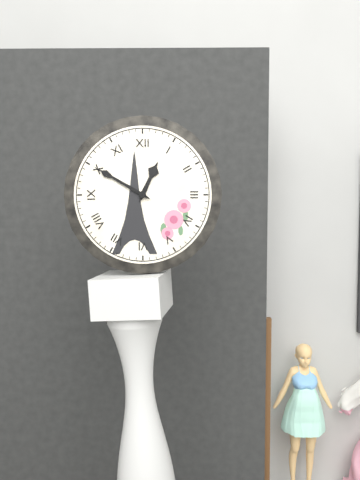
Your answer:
12 h 50 min
